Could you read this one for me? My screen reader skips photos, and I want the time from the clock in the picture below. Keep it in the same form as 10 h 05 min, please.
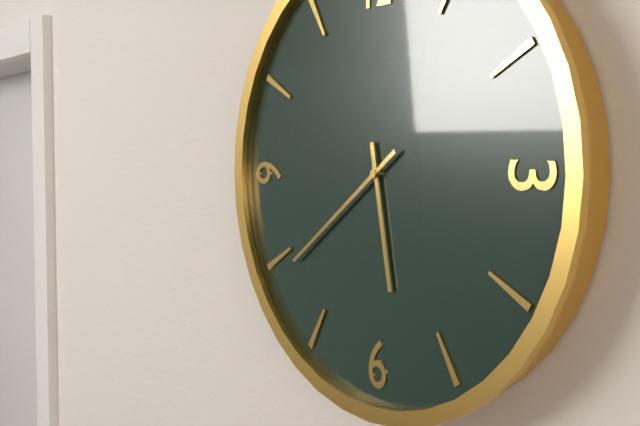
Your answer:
5 h 39 min
